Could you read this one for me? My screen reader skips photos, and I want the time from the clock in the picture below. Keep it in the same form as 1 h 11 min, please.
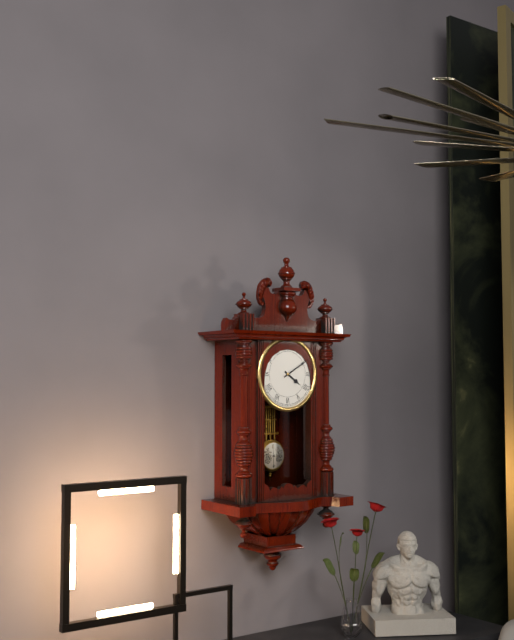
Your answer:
4 h 10 min
